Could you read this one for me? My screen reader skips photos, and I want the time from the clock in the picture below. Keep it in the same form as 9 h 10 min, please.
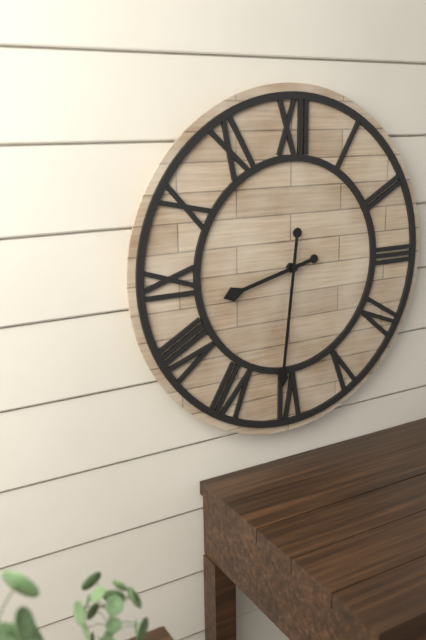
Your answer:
8 h 31 min
